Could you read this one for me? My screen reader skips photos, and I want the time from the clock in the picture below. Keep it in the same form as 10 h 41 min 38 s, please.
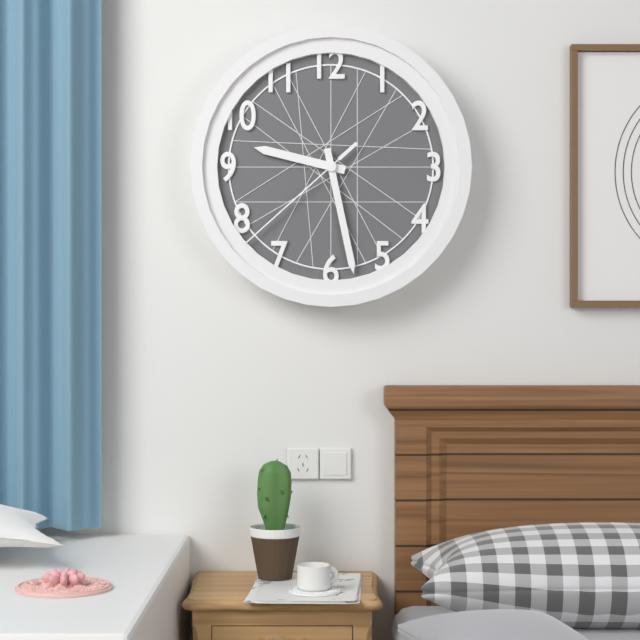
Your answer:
9 h 28 min 38 s
